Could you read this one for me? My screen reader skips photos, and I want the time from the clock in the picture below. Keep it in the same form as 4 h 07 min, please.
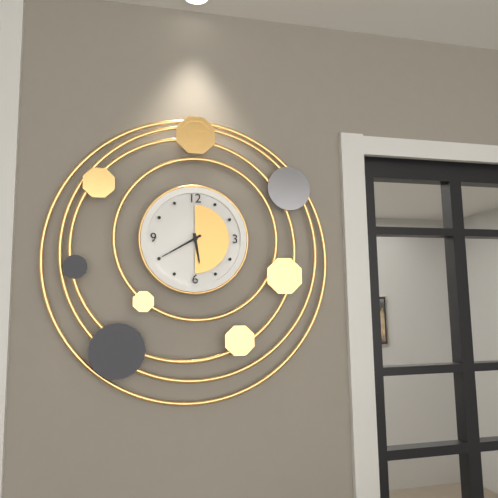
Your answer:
5 h 40 min
